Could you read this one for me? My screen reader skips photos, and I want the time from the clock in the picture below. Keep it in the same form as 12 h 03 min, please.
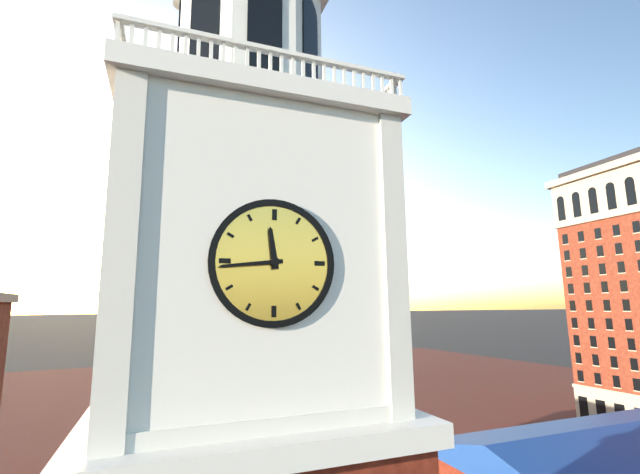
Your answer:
11 h 44 min
